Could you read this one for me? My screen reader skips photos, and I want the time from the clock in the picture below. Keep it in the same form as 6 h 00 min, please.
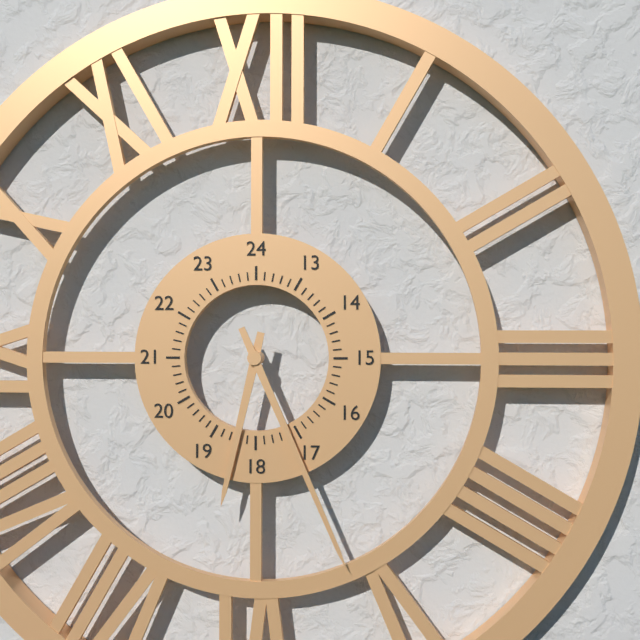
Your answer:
6 h 26 min
